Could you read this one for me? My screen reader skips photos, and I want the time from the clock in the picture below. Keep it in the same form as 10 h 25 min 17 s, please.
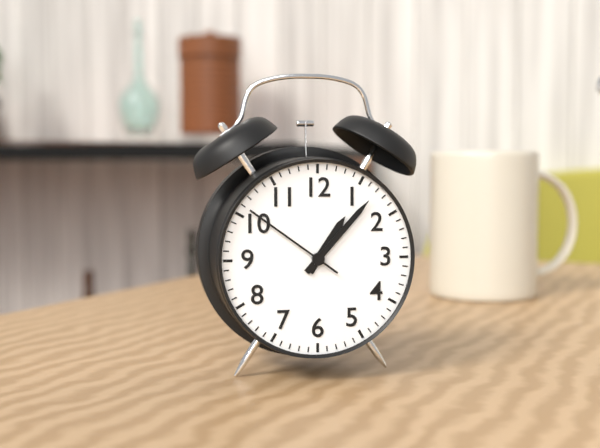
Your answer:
1 h 07 min 51 s
